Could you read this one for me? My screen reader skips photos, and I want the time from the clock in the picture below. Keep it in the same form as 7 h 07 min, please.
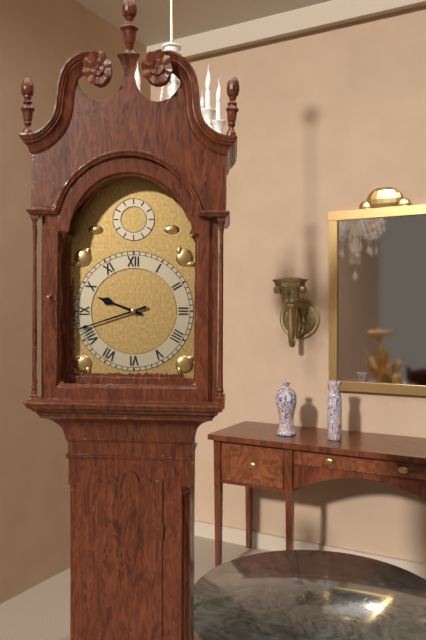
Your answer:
9 h 42 min
